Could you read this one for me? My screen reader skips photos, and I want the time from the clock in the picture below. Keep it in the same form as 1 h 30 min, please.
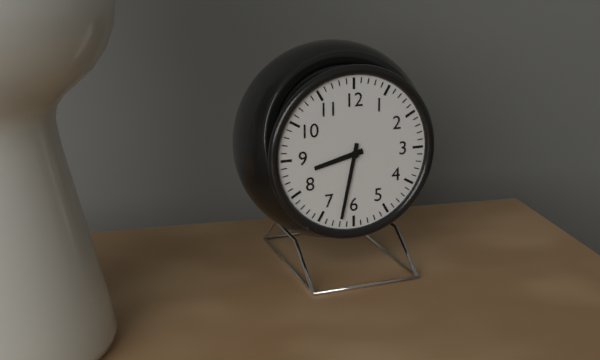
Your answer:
8 h 32 min
